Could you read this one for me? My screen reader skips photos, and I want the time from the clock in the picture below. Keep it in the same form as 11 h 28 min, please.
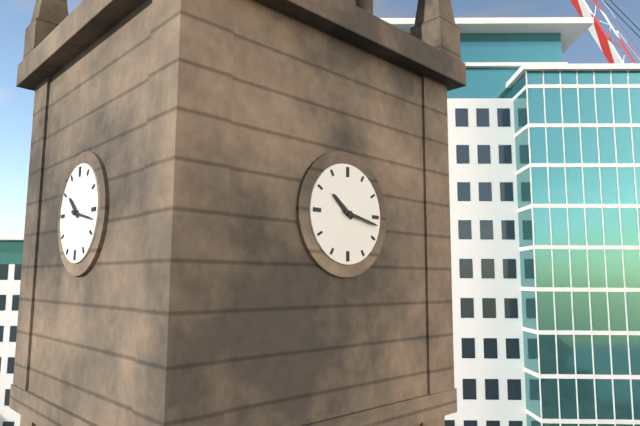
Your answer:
10 h 17 min
